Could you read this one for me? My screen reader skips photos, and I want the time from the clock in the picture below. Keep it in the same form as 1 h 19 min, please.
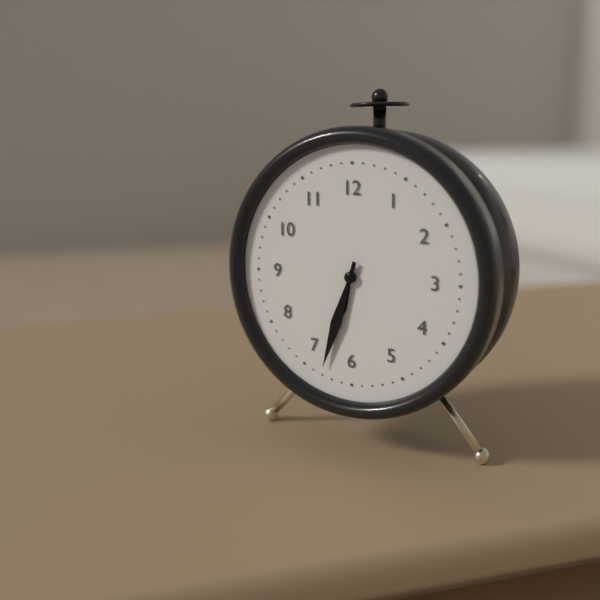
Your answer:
6 h 33 min
